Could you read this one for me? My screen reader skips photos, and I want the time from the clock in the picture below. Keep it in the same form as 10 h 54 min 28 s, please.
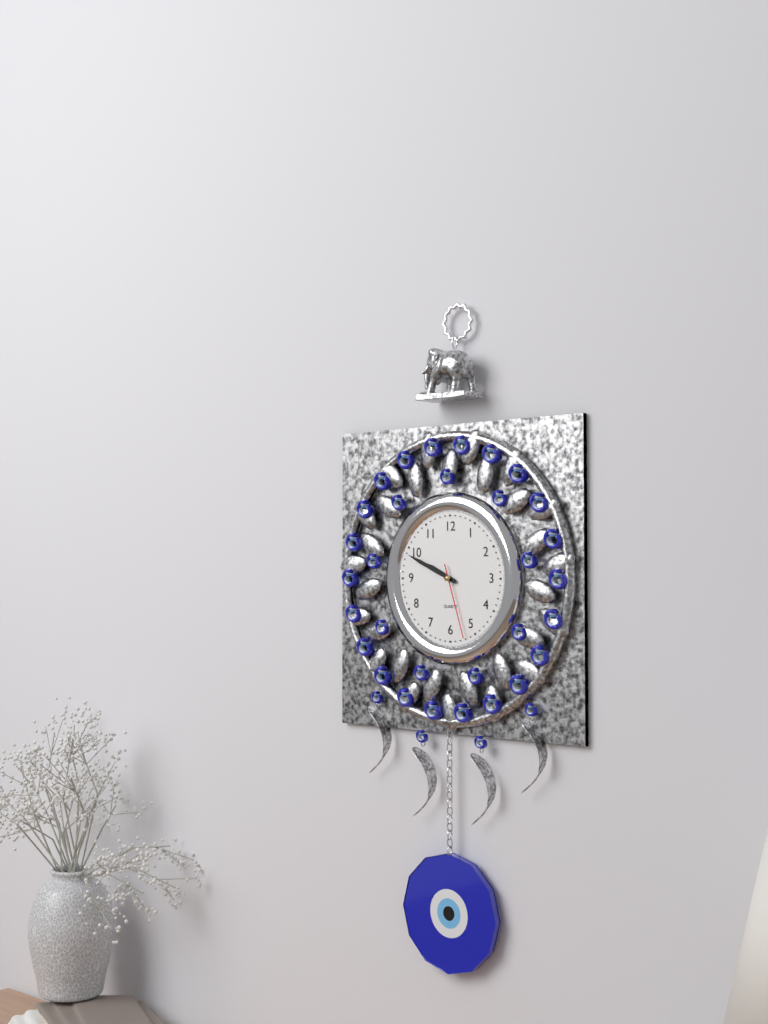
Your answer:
9 h 49 min 27 s
